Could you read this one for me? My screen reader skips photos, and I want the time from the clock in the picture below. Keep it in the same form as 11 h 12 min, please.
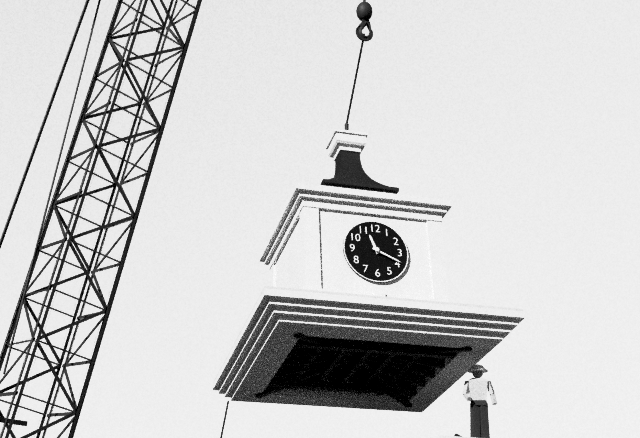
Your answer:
11 h 19 min
